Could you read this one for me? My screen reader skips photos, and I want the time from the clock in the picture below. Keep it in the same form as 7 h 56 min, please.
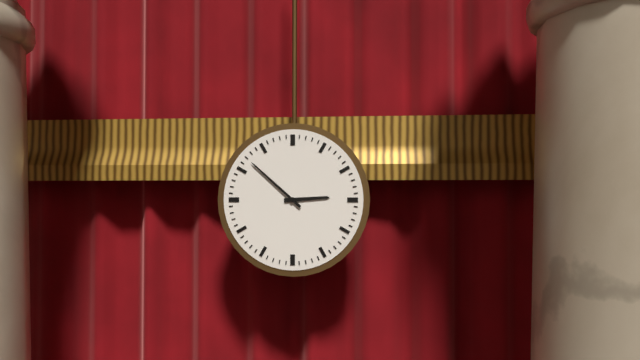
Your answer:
2 h 52 min
